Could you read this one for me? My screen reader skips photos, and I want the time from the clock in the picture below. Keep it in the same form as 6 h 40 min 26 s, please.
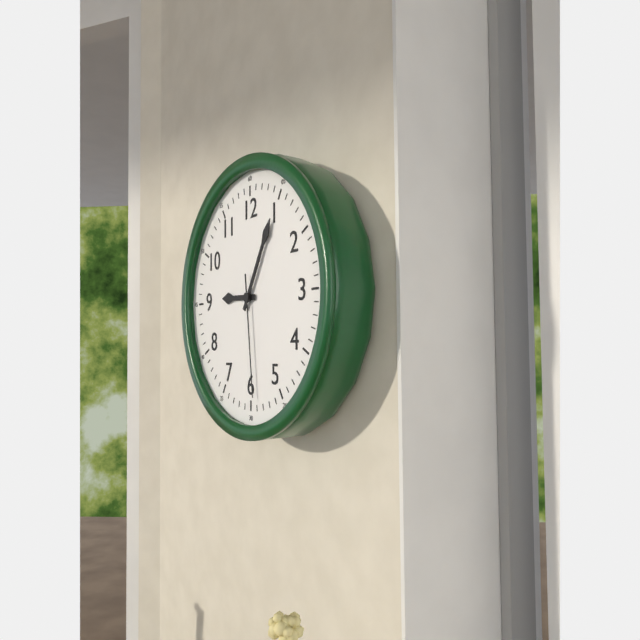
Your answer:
9 h 05 min 29 s
